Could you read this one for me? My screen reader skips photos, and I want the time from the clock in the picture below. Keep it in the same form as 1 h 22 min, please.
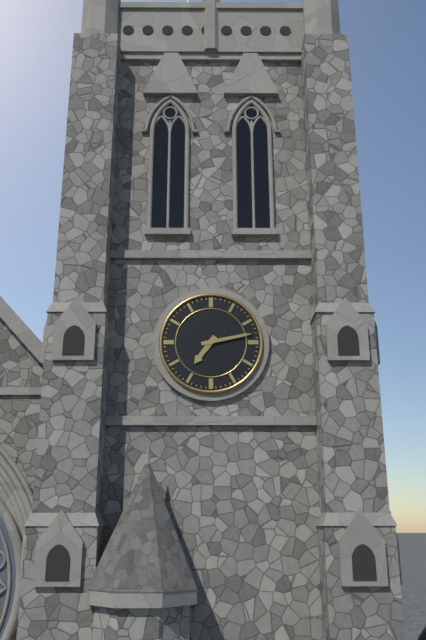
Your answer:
7 h 13 min
